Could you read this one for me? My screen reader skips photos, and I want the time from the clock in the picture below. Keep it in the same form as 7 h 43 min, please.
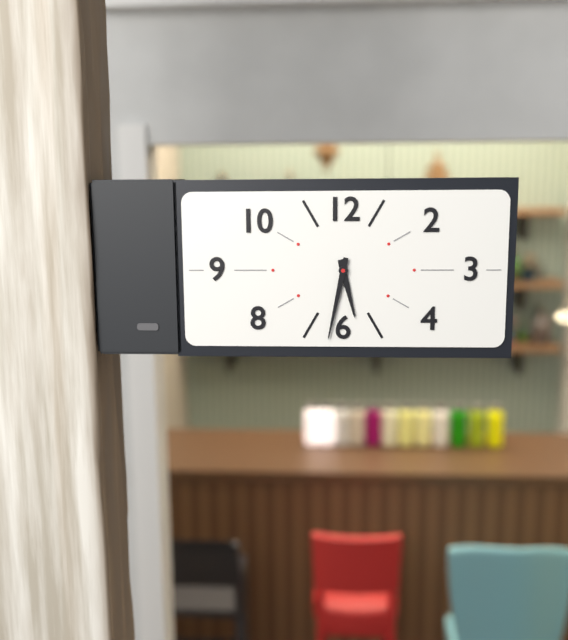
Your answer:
5 h 32 min
